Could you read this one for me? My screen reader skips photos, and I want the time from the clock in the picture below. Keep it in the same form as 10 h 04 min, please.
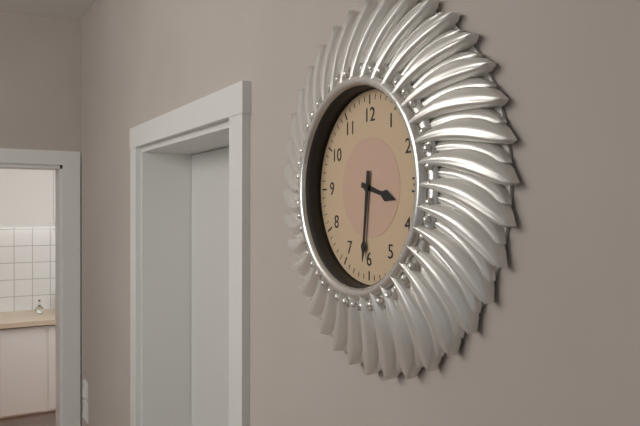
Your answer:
3 h 31 min
